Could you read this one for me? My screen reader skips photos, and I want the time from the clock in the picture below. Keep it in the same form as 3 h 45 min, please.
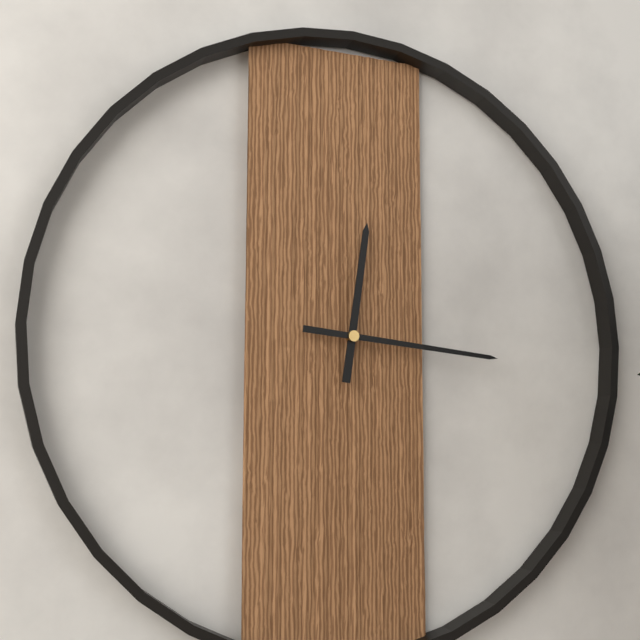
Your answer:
12 h 16 min
